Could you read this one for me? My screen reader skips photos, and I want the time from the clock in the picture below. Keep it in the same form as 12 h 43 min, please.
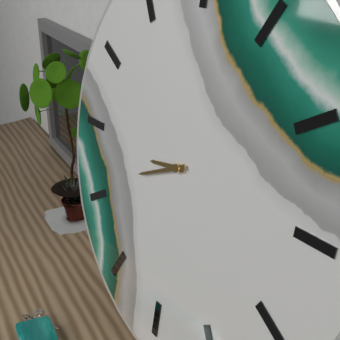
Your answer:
8 h 41 min
